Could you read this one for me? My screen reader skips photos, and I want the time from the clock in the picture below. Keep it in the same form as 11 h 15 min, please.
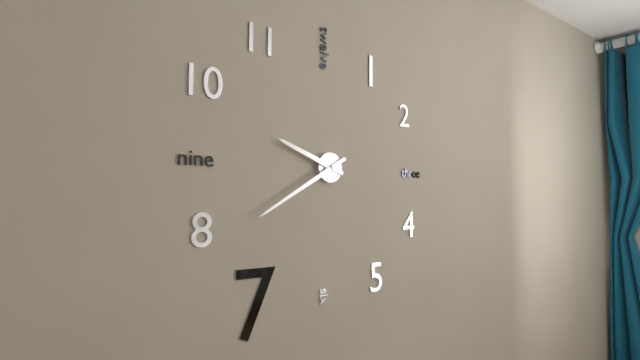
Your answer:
9 h 40 min
